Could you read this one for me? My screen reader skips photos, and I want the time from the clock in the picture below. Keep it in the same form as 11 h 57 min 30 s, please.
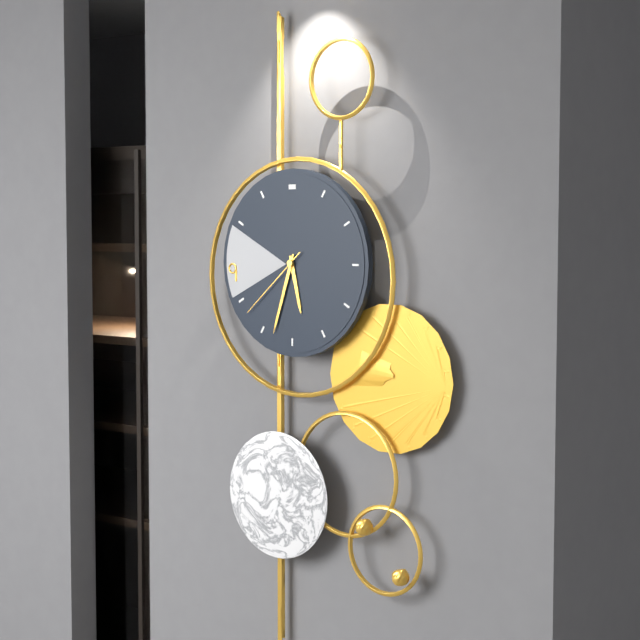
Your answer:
5 h 33 min 38 s
